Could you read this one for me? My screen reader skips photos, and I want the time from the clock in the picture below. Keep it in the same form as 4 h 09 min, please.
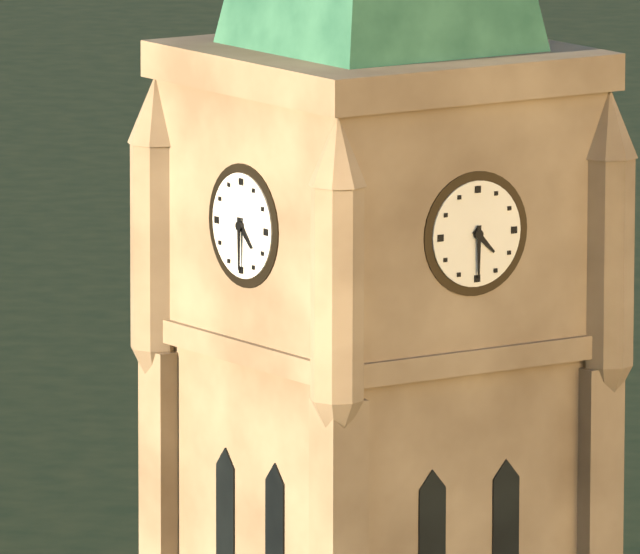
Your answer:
4 h 30 min
